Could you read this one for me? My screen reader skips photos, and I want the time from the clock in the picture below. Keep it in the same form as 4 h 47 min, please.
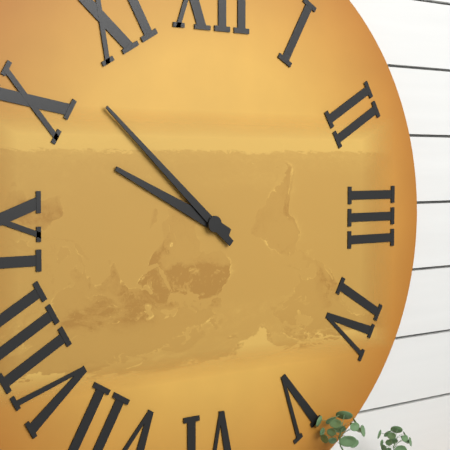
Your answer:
9 h 52 min
